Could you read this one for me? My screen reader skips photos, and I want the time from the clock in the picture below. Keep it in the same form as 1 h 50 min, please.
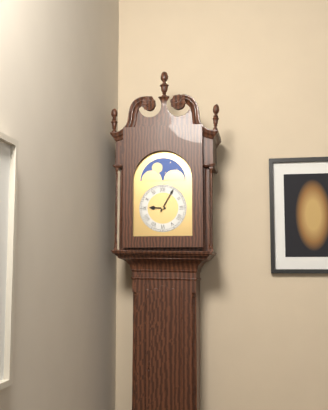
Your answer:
9 h 05 min
